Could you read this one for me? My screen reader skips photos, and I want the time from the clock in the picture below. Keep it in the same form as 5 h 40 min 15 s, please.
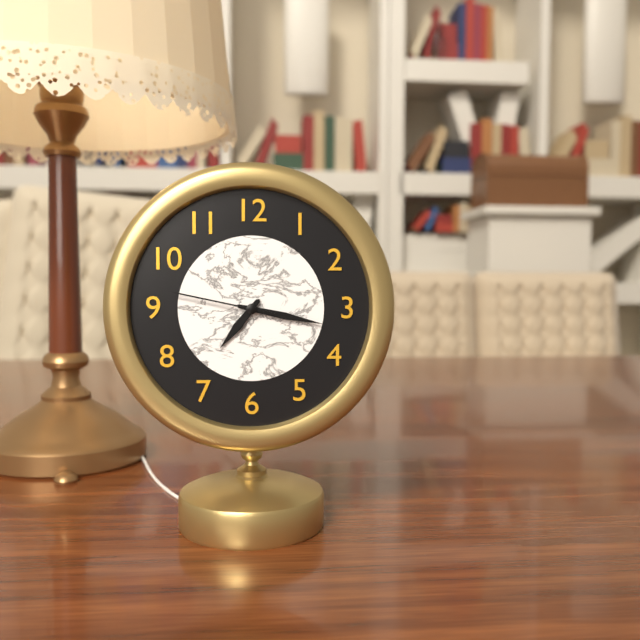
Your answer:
7 h 17 min 47 s
